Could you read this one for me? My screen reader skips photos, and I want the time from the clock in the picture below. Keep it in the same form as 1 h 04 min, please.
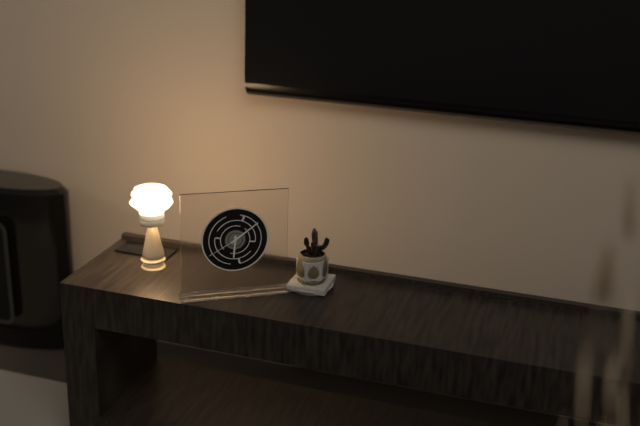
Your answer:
6 h 09 min
